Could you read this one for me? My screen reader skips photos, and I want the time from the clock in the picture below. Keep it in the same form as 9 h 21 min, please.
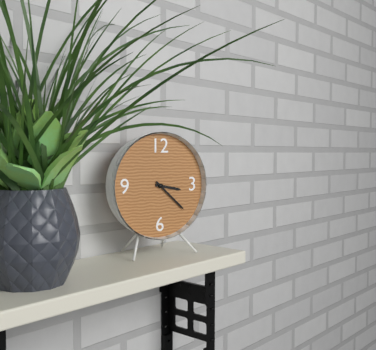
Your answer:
3 h 22 min
